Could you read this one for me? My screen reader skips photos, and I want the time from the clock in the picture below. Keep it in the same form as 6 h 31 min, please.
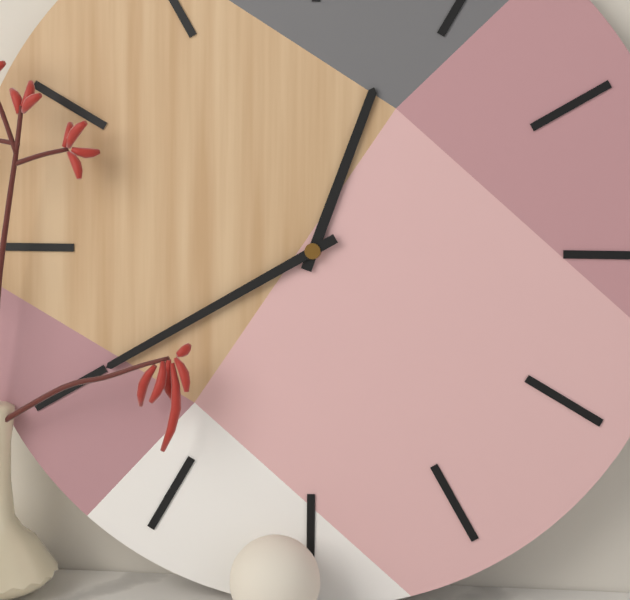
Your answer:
12 h 40 min
